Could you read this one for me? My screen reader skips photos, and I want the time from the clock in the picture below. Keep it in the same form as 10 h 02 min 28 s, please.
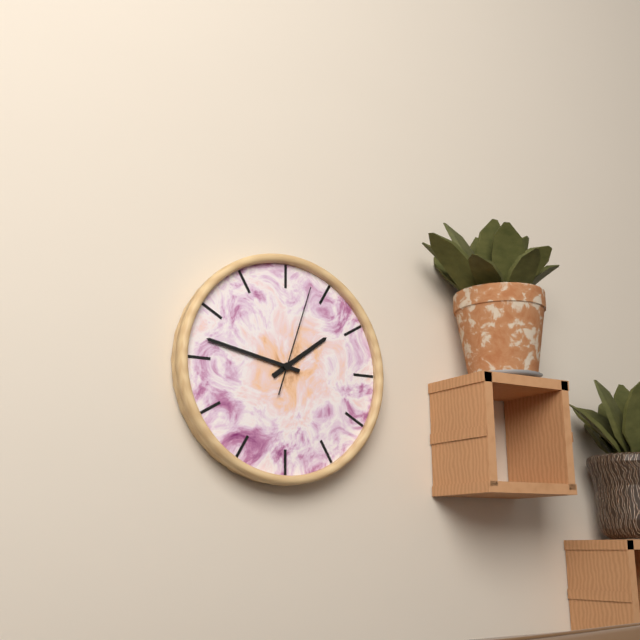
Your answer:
1 h 47 min 03 s
